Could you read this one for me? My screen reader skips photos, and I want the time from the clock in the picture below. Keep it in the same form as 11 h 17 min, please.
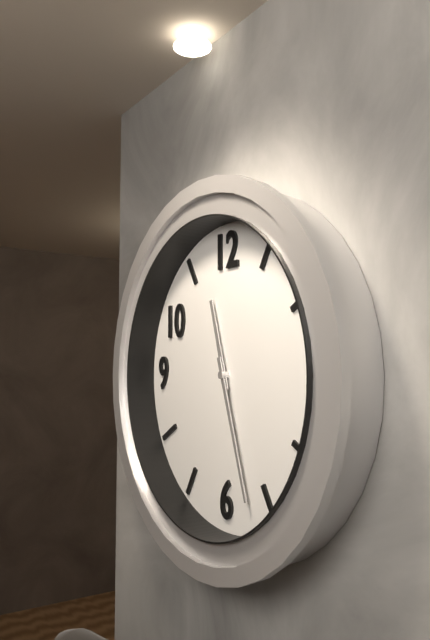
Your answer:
11 h 27 min
